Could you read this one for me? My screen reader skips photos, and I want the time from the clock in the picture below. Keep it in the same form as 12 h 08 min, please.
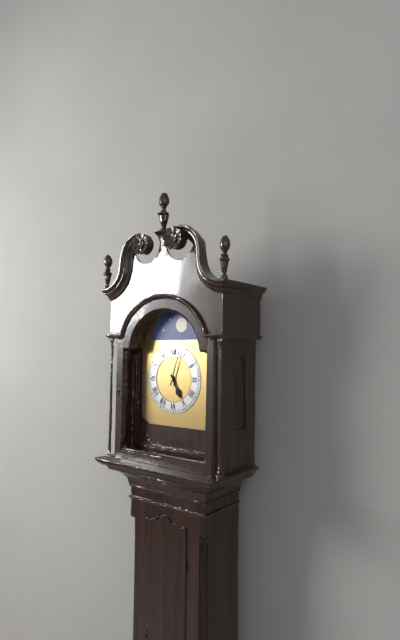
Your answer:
5 h 03 min
